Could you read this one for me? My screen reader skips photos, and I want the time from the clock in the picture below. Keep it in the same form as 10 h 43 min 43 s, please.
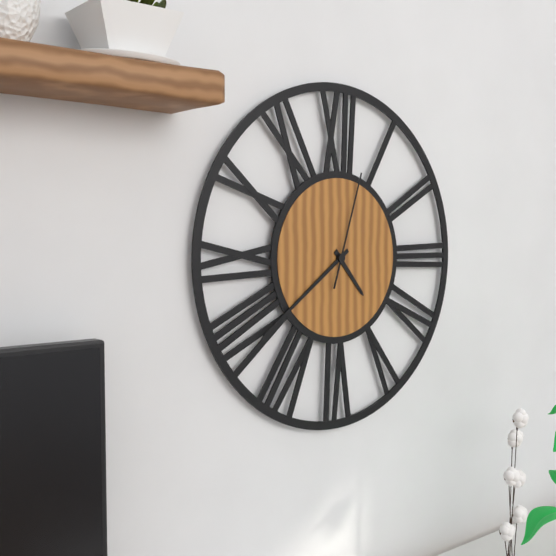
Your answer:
4 h 39 min 03 s
